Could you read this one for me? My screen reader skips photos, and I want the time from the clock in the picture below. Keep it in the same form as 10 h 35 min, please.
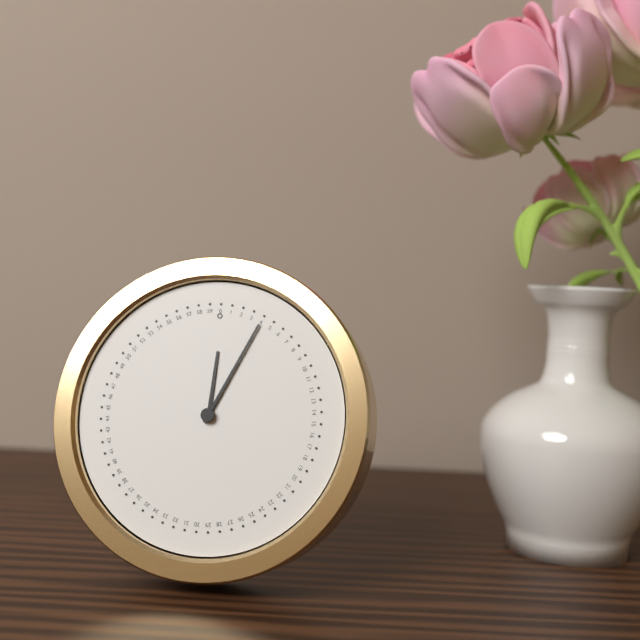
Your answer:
12 h 04 min
